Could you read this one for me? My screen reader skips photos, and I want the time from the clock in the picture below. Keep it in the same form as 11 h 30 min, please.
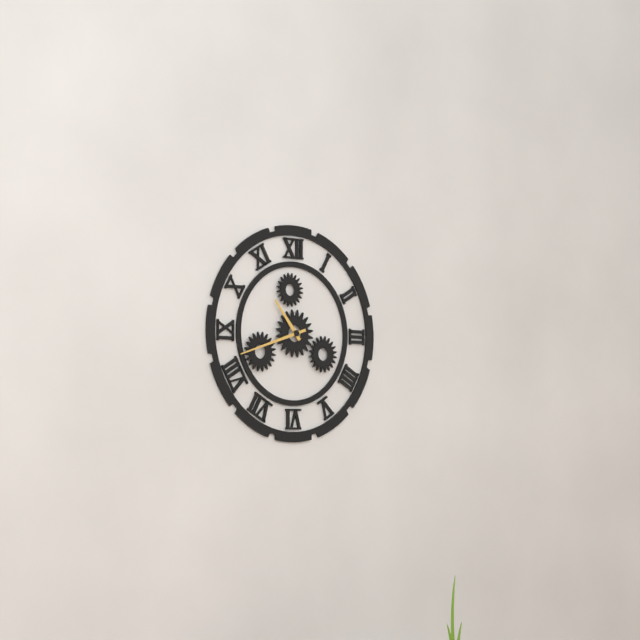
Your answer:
10 h 42 min
